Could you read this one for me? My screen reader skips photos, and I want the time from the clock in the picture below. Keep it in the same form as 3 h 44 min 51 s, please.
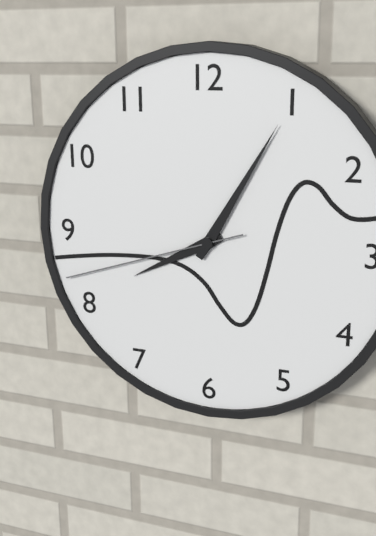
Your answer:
8 h 05 min 42 s
